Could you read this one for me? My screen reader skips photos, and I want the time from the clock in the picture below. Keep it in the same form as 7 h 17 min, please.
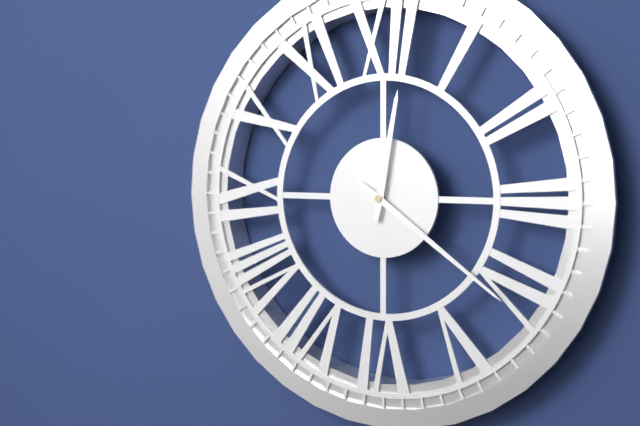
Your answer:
12 h 21 min
